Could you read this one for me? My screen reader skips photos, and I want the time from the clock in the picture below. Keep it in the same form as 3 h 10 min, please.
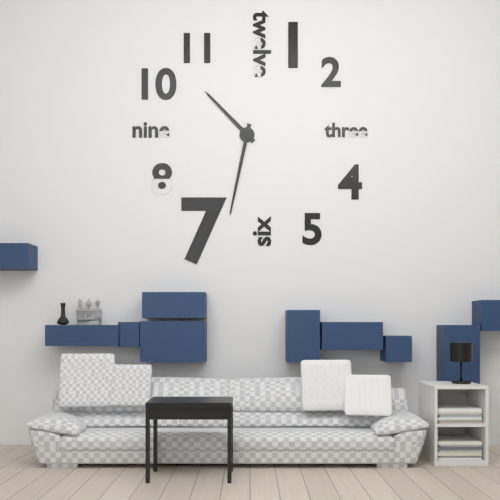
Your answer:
10 h 32 min
